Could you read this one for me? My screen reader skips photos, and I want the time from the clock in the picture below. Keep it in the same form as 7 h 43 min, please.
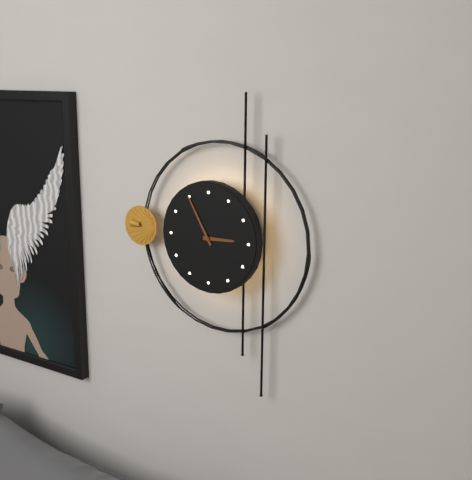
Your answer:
2 h 55 min
